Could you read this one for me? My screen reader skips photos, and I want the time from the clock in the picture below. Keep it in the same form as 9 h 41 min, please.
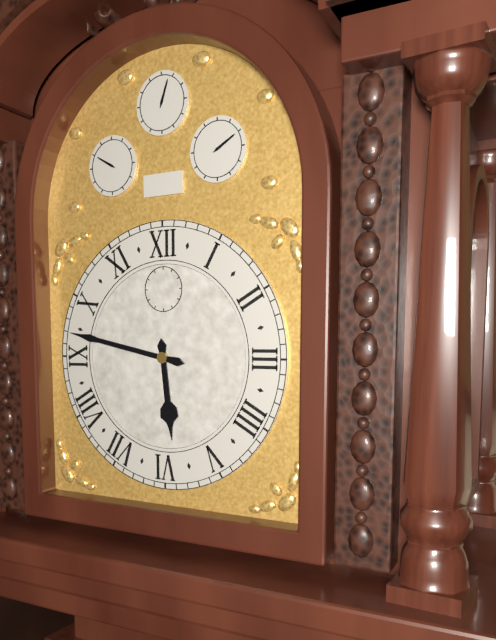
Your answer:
5 h 47 min
